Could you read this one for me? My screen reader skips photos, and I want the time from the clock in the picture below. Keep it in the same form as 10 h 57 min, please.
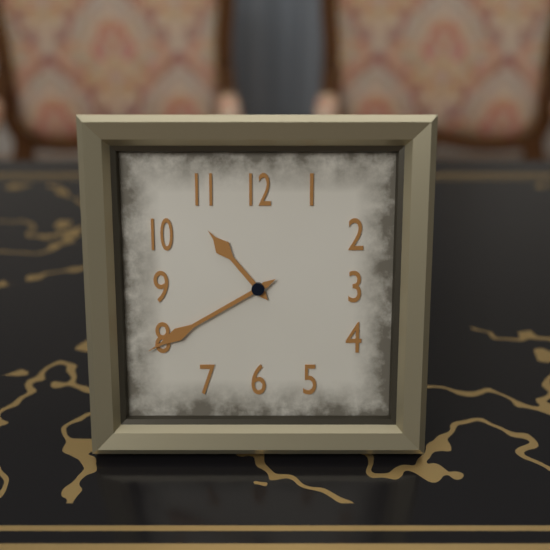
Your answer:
10 h 40 min
